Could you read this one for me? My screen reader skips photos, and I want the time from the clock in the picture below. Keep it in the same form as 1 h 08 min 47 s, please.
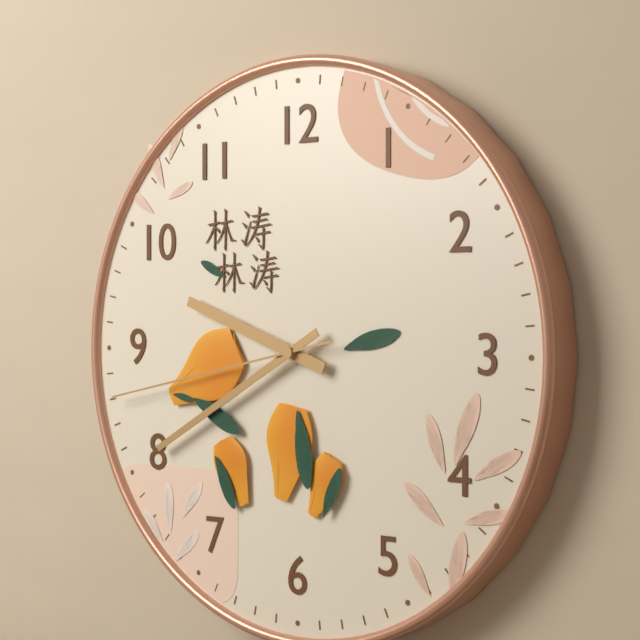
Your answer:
9 h 40 min 43 s
